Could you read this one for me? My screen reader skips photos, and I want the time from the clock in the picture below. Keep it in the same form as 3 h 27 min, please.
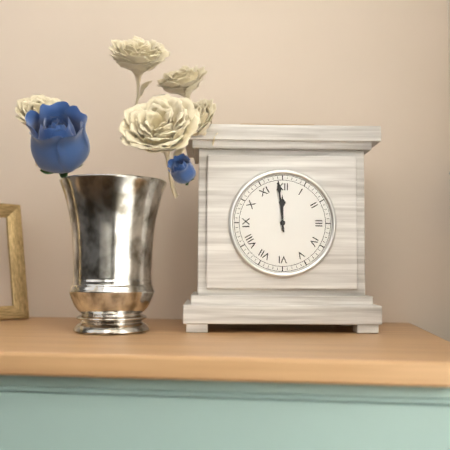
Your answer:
11 h 59 min
